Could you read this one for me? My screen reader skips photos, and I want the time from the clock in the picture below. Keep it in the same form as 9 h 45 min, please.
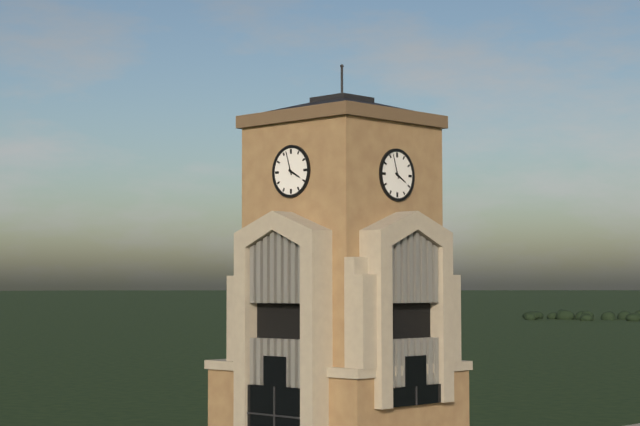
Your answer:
3 h 57 min
